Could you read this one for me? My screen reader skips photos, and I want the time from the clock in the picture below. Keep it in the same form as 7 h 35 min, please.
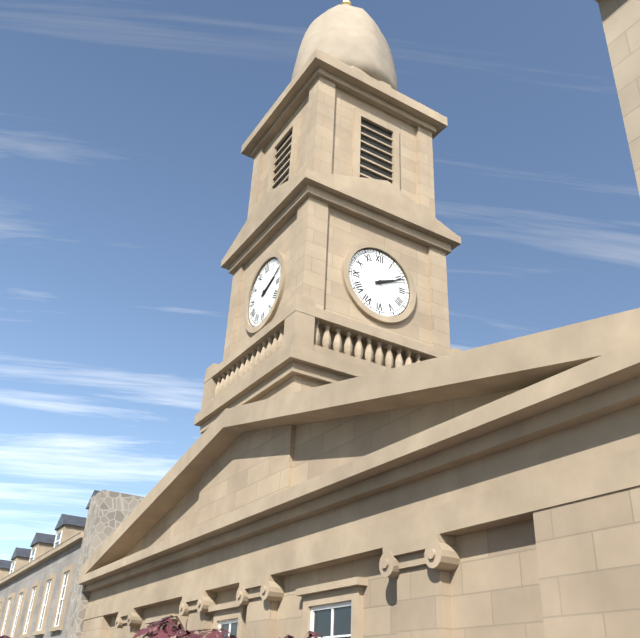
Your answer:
2 h 11 min
